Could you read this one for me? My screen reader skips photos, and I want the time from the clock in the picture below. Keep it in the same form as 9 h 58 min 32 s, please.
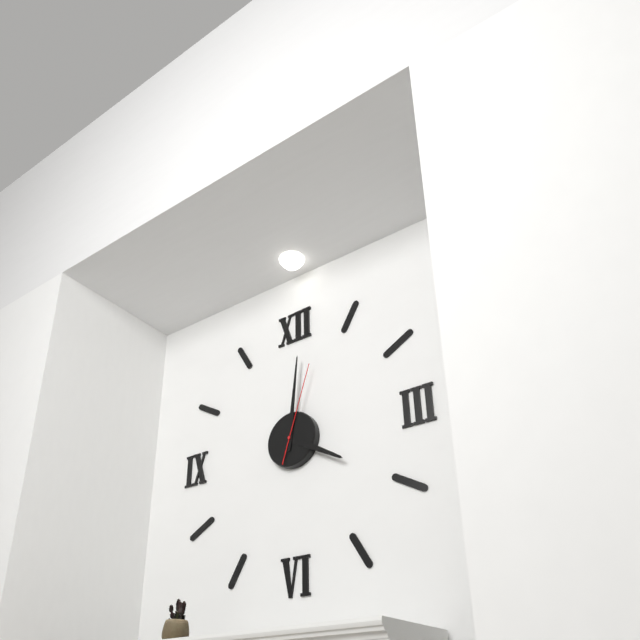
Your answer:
4 h 01 min 03 s
